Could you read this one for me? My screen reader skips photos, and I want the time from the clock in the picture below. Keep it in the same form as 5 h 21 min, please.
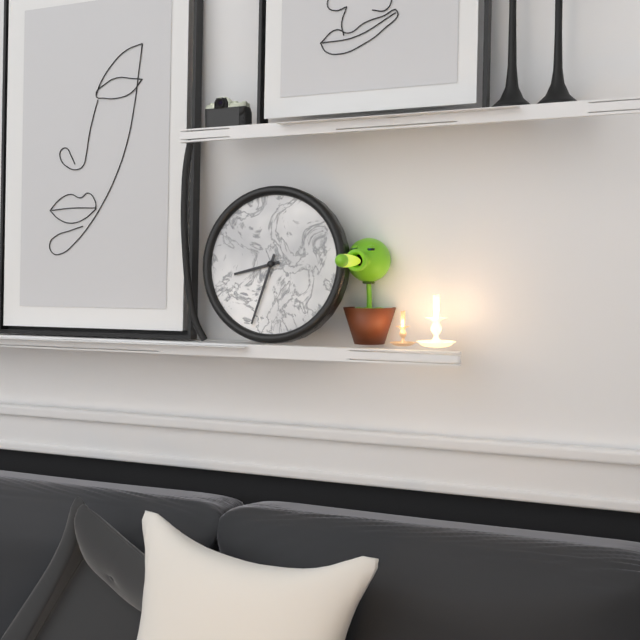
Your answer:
8 h 33 min
